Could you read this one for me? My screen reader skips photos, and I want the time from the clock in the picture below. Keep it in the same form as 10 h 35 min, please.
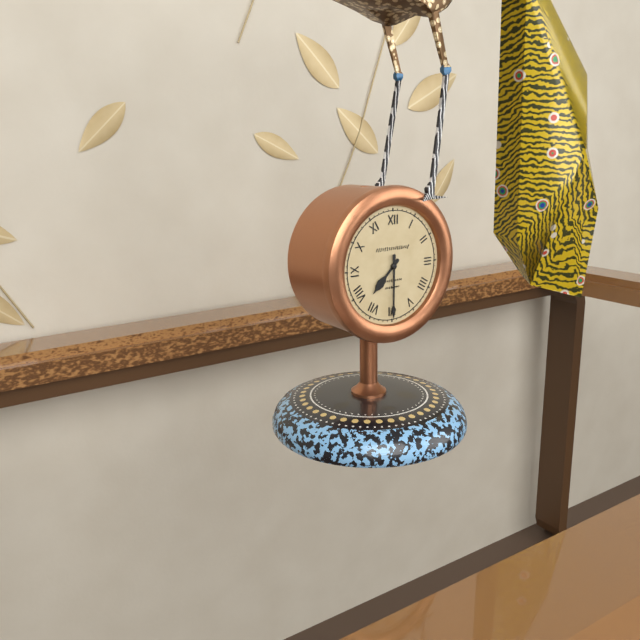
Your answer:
7 h 30 min
